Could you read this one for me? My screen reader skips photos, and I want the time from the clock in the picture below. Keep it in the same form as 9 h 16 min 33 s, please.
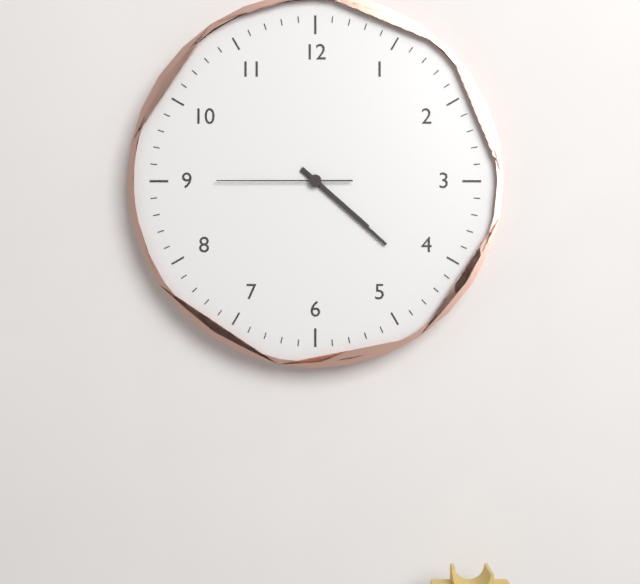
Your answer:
4 h 22 min 45 s
